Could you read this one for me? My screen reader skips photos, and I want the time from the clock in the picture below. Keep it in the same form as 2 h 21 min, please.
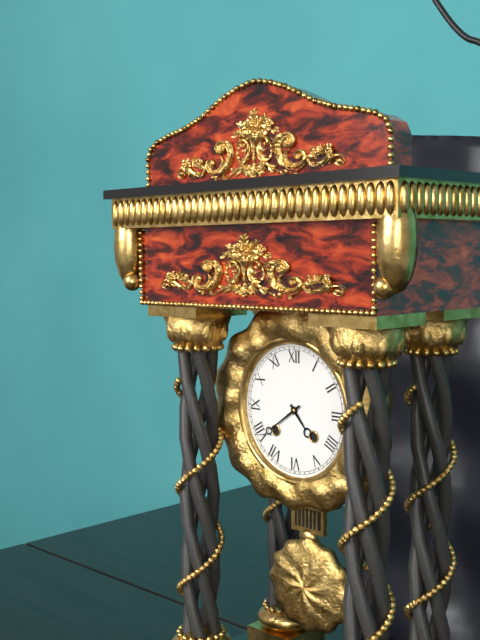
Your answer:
4 h 39 min
